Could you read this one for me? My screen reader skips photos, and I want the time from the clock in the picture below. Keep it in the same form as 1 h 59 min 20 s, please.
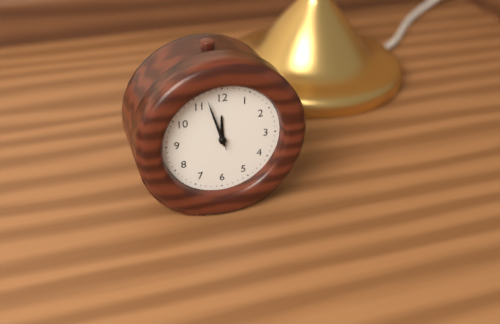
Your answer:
11 h 57 min 57 s
